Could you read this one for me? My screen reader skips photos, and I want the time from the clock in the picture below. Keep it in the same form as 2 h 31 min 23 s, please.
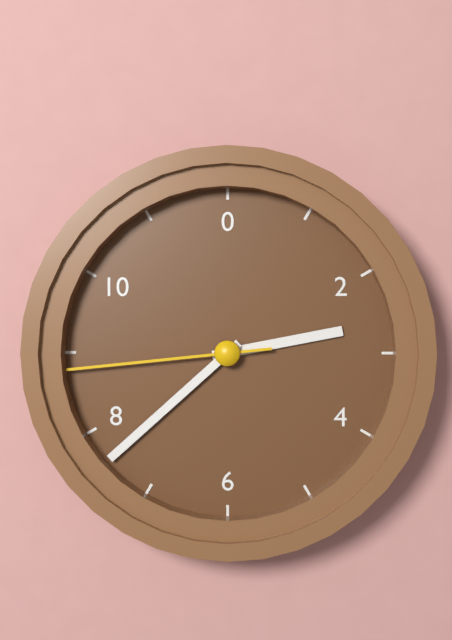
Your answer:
2 h 38 min 44 s
